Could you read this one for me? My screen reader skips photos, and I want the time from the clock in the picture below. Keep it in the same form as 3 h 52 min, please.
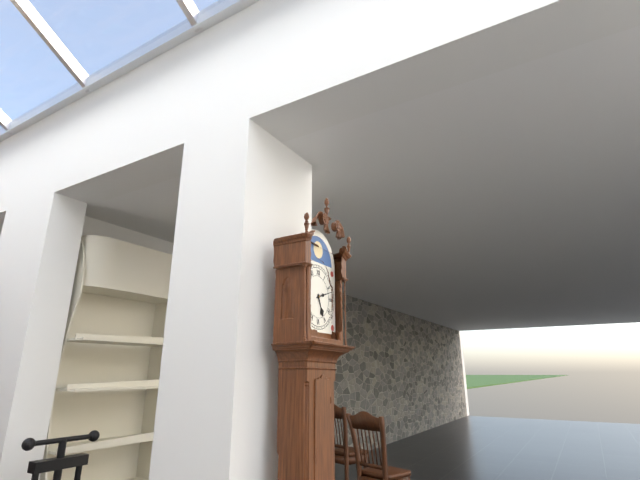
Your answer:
5 h 12 min
